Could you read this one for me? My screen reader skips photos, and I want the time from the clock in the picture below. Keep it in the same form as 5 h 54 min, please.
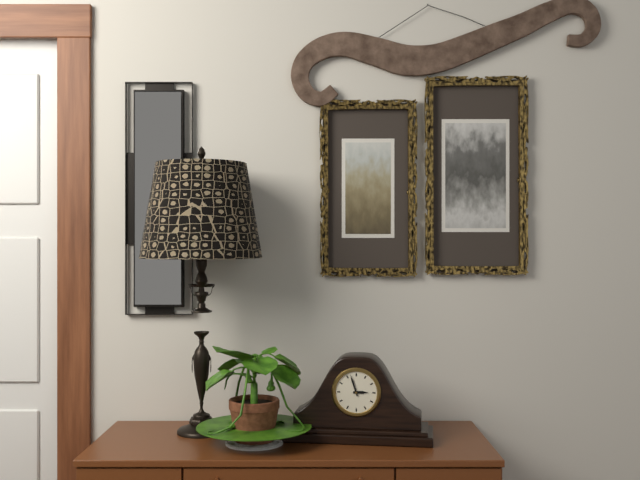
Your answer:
2 h 57 min
